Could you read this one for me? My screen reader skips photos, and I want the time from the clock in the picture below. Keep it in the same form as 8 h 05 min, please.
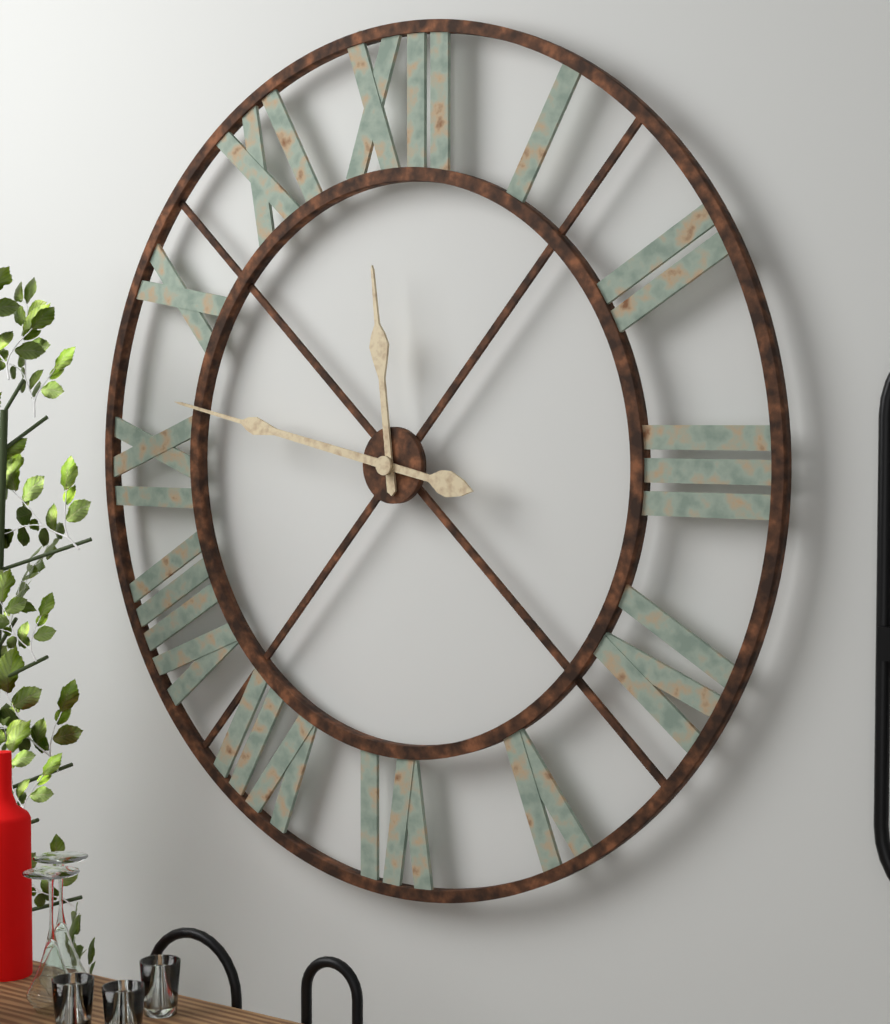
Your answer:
11 h 47 min
